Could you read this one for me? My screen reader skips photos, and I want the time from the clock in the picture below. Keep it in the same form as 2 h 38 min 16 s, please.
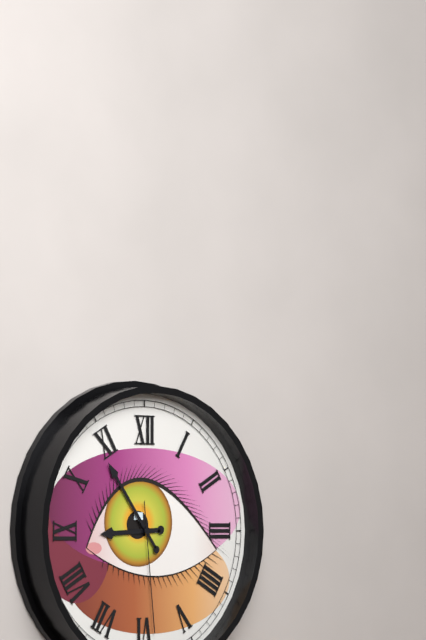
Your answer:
8 h 54 min 29 s
